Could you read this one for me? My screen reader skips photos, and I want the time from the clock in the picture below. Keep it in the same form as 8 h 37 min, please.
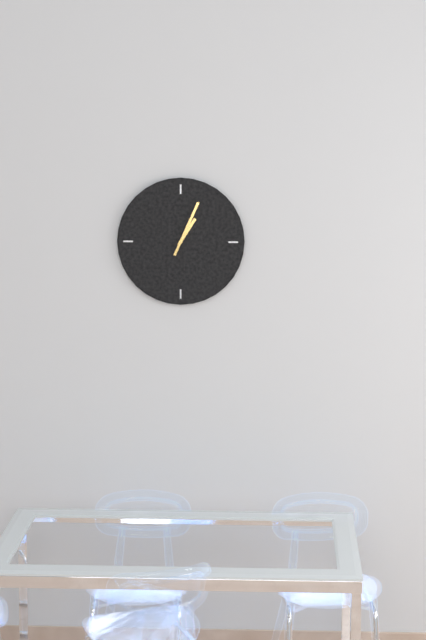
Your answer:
1 h 04 min
